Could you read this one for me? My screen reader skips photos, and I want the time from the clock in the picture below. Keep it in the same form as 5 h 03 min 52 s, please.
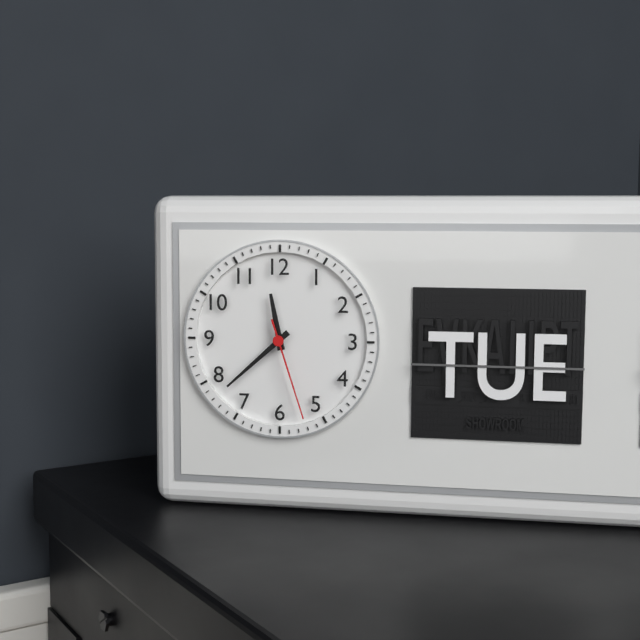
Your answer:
11 h 38 min 27 s
